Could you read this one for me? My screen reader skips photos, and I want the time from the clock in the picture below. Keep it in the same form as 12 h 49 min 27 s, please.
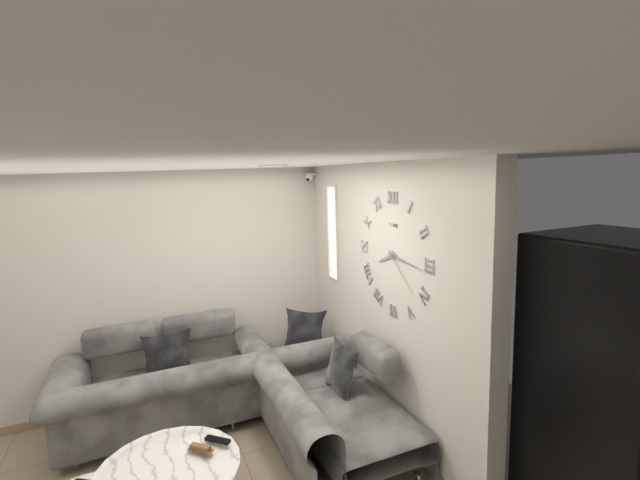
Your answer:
8 h 16 min 22 s
